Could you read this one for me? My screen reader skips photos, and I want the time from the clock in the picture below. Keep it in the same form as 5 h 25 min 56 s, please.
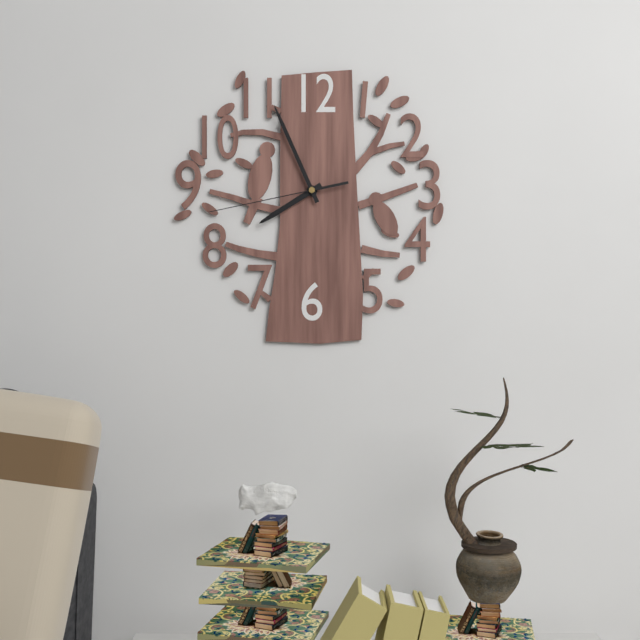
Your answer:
7 h 56 min 43 s
